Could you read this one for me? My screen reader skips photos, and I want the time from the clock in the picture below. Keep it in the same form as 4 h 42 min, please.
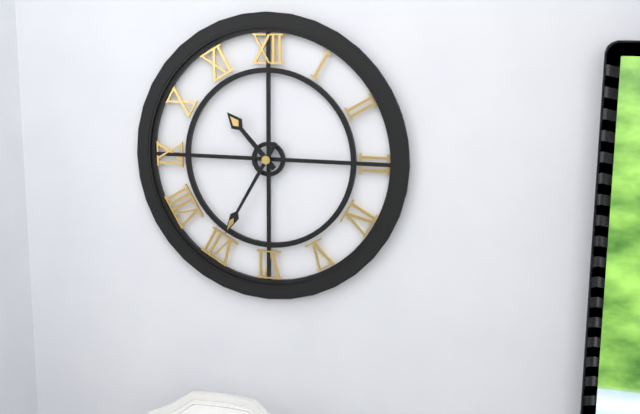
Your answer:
10 h 35 min
